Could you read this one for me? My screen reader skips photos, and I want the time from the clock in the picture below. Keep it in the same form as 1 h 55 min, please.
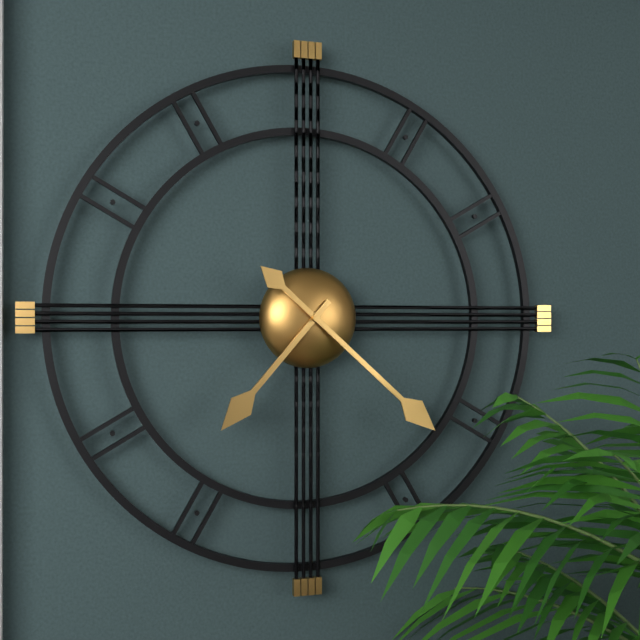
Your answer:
7 h 22 min
